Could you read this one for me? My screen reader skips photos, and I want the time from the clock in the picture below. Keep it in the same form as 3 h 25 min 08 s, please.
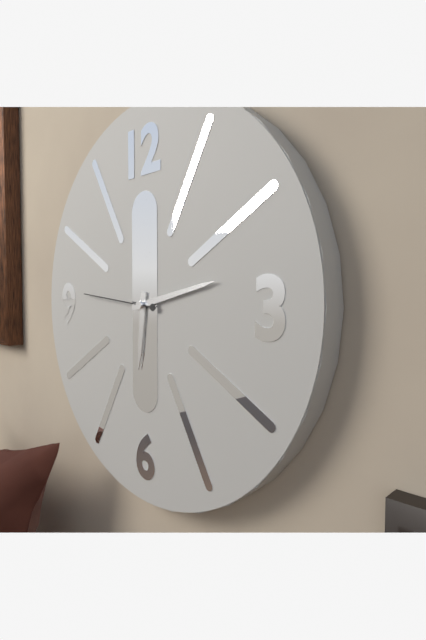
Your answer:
6 h 13 min 46 s
